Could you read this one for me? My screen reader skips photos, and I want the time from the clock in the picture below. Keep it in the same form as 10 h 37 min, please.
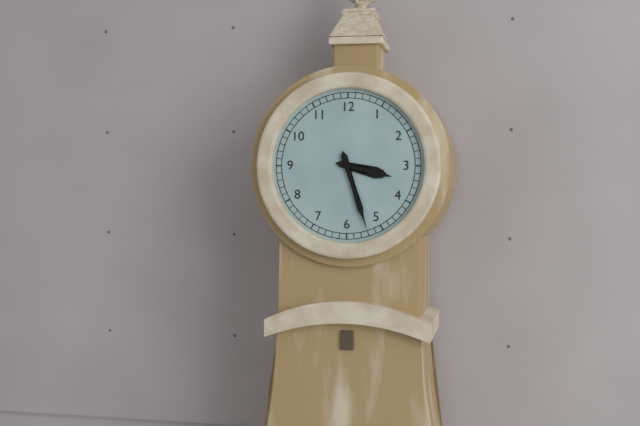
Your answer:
3 h 27 min
